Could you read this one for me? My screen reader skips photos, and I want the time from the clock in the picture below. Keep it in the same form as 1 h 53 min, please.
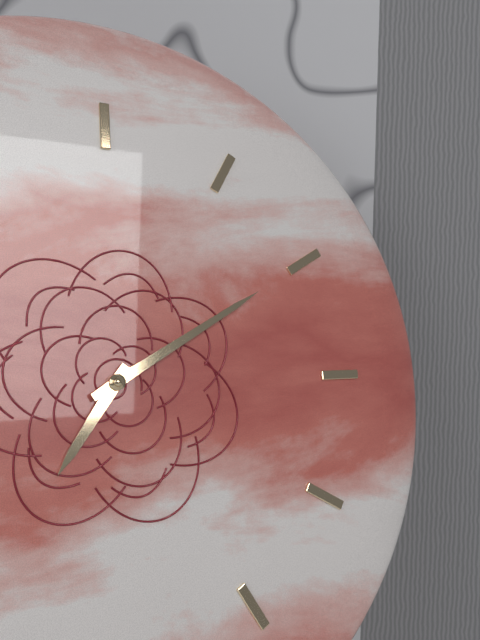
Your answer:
7 h 10 min
